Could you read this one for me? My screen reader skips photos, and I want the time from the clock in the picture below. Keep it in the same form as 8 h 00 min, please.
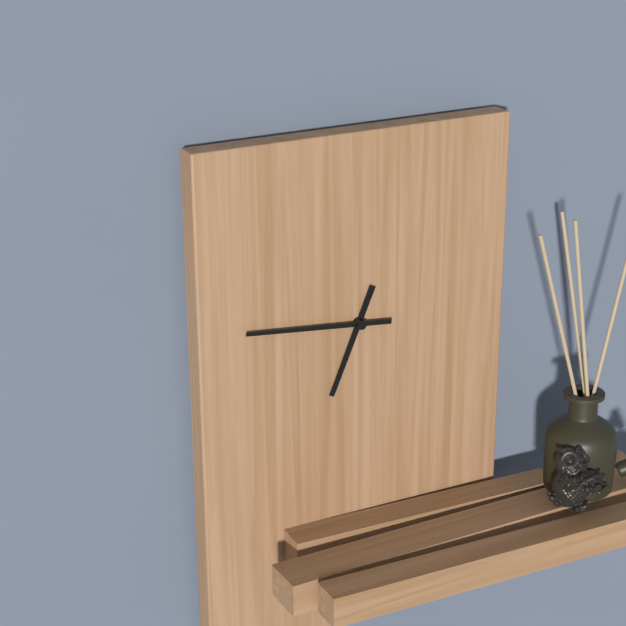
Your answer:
6 h 46 min
